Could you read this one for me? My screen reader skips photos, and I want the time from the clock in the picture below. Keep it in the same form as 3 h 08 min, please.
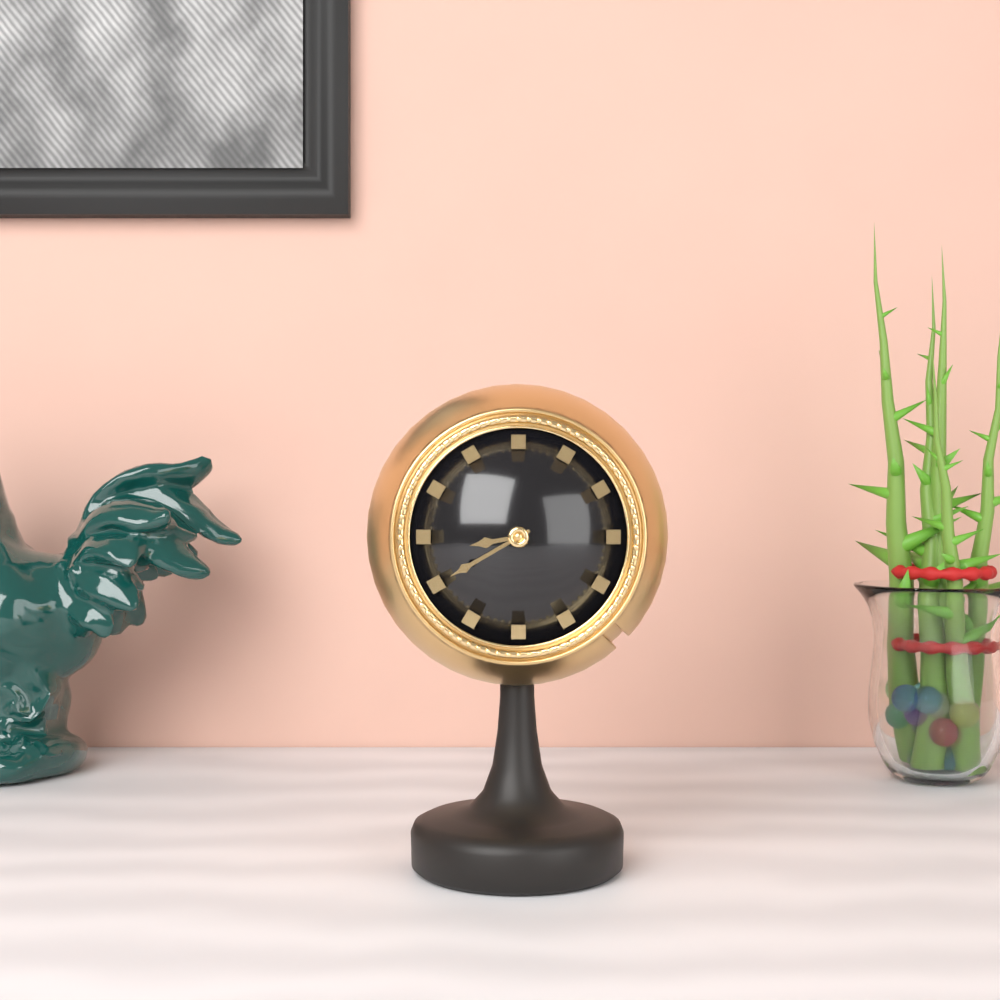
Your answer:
8 h 40 min
